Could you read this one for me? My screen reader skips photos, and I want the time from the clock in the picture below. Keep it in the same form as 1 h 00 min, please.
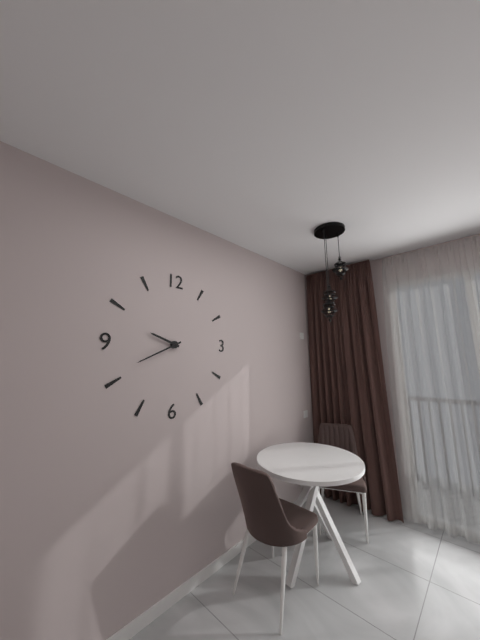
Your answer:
9 h 41 min
